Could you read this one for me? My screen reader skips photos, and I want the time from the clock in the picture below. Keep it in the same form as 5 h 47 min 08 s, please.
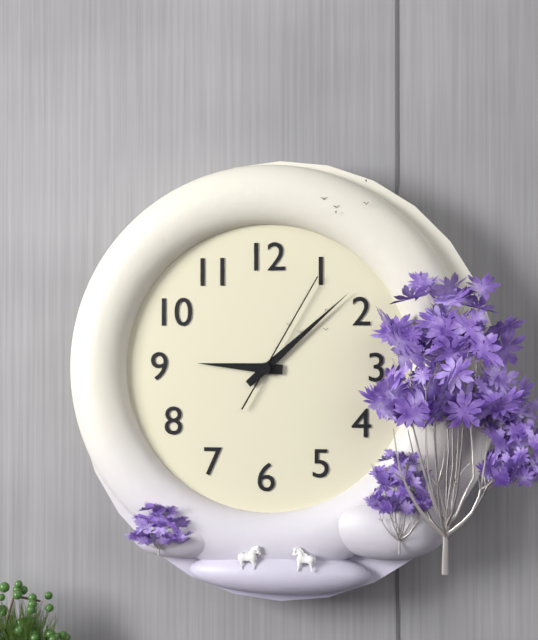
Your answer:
9 h 08 min 05 s
